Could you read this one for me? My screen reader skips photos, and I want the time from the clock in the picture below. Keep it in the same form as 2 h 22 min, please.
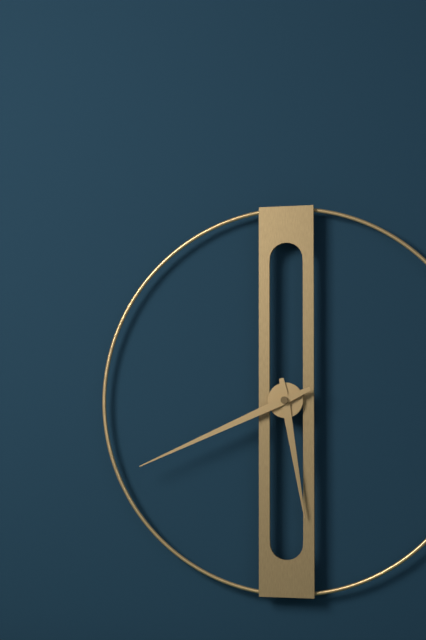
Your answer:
5 h 41 min
